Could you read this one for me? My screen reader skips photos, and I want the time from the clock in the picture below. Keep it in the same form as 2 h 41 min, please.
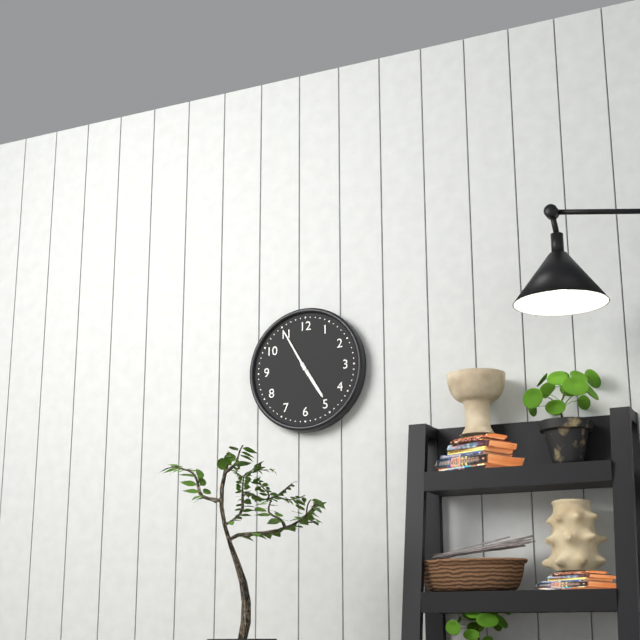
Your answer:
4 h 55 min
